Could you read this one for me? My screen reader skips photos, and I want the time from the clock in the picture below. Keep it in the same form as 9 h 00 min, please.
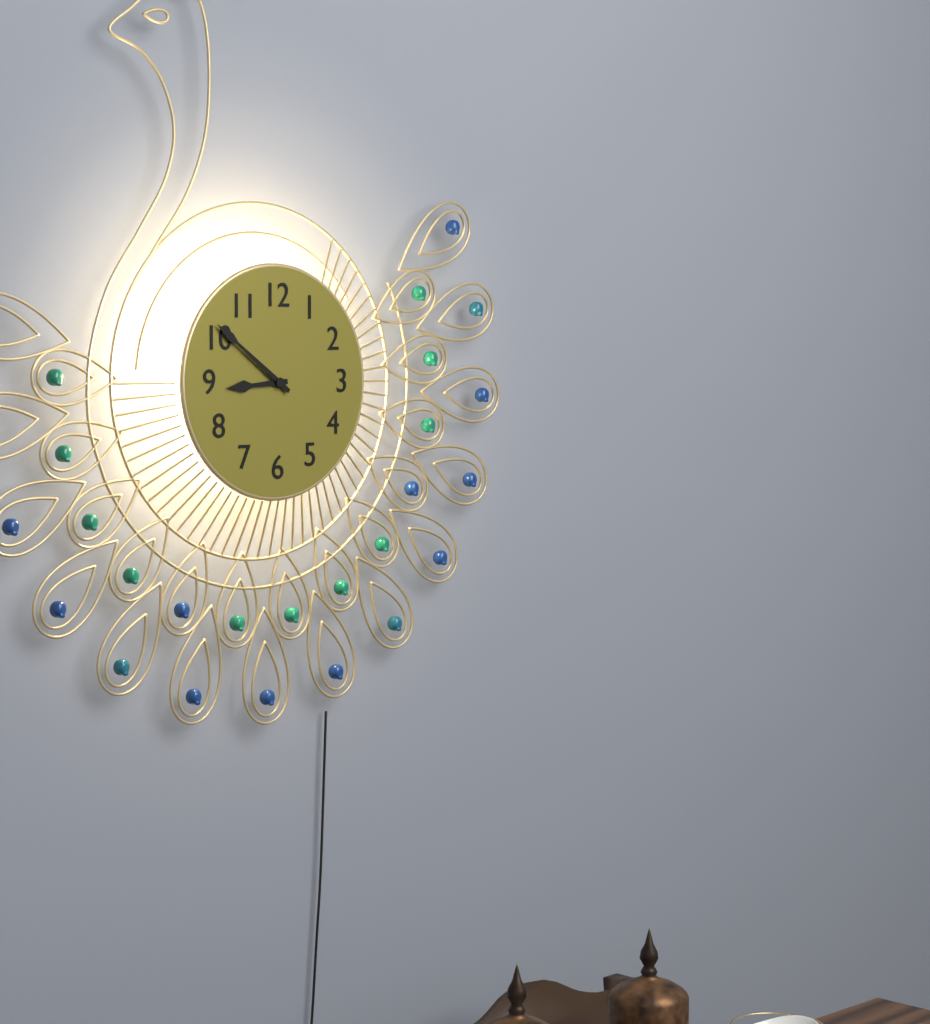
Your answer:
8 h 51 min
